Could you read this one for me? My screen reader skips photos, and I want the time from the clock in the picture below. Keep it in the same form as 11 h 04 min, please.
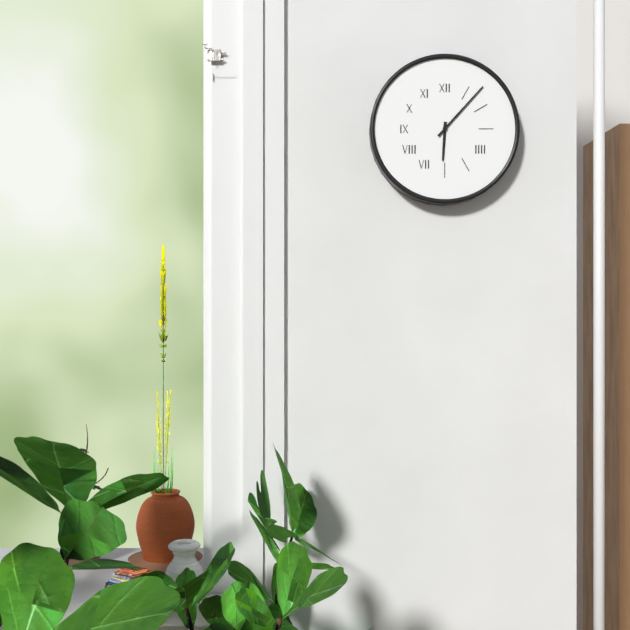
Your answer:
6 h 07 min
